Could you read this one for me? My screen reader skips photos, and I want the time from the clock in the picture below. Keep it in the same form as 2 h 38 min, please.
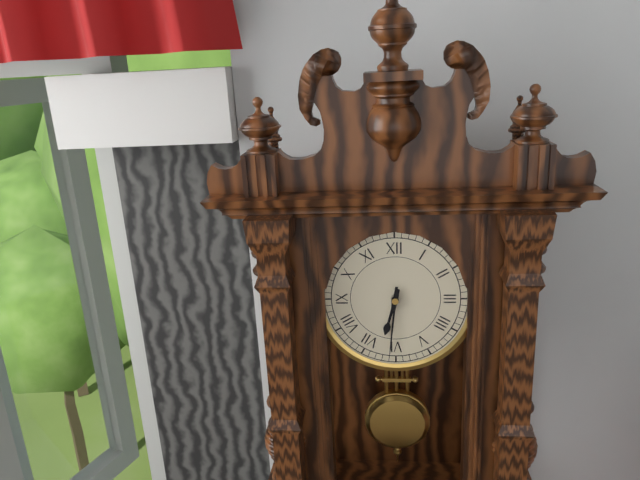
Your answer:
6 h 31 min
